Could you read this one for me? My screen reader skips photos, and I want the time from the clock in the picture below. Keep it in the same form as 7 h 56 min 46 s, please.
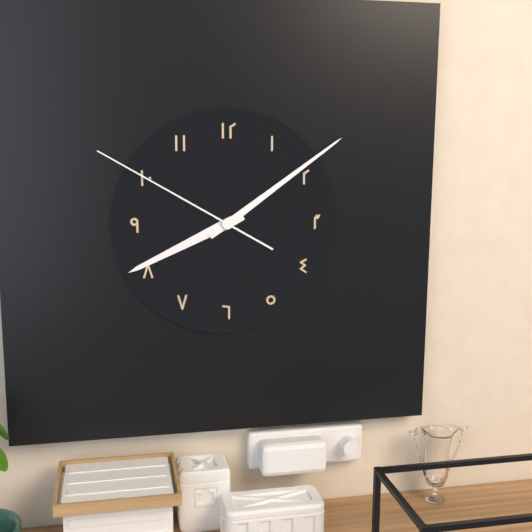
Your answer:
8 h 09 min 50 s
